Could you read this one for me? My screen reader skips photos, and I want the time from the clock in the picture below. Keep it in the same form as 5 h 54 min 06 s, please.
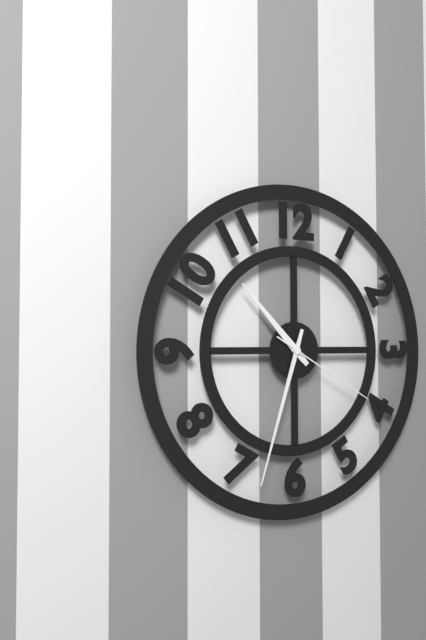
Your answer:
10 h 33 min 20 s
